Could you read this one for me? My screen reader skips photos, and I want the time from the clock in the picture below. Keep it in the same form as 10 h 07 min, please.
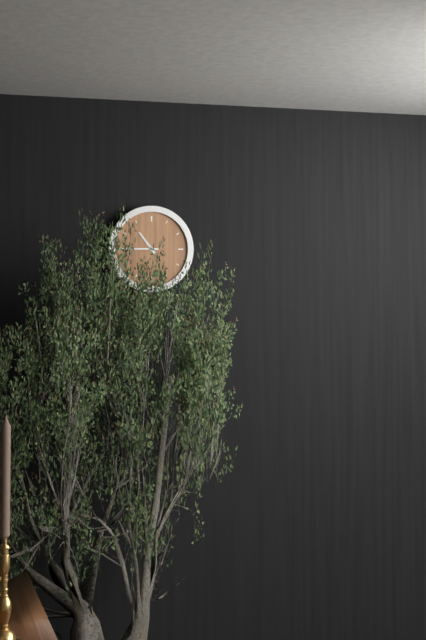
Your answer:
10 h 45 min
